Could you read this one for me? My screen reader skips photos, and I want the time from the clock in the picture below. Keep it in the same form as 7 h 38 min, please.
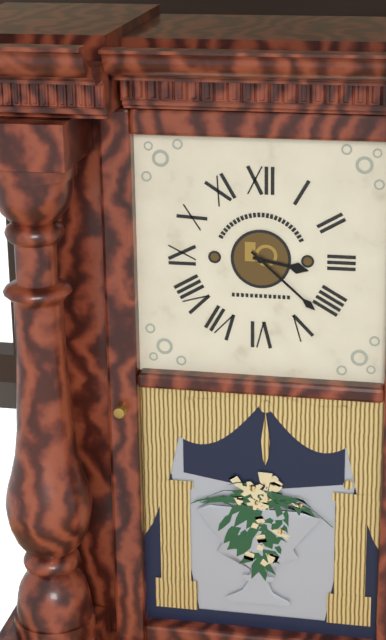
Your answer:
3 h 22 min
